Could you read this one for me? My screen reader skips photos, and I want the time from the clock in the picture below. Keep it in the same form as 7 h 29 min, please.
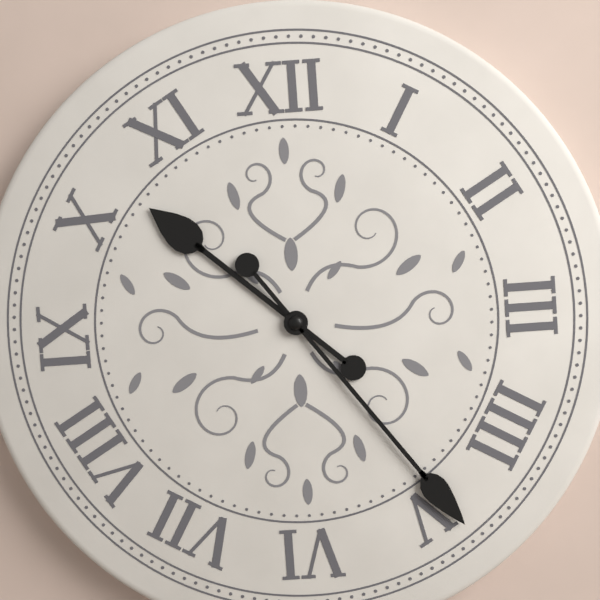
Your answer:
10 h 24 min
